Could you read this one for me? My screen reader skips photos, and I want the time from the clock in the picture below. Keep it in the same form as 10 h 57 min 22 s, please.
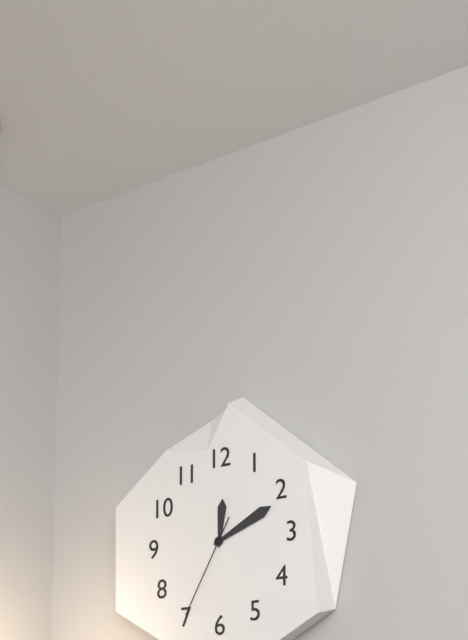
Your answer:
12 h 11 min 35 s
